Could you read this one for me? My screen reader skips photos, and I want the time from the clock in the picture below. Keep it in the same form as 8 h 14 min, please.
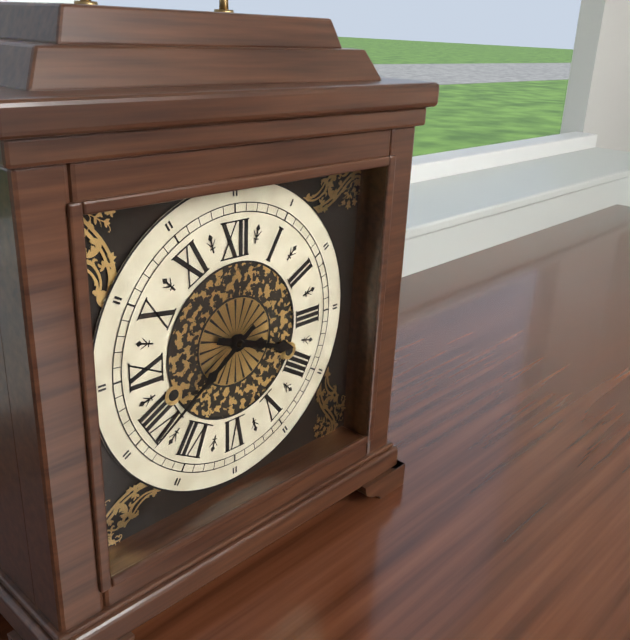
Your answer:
3 h 39 min
